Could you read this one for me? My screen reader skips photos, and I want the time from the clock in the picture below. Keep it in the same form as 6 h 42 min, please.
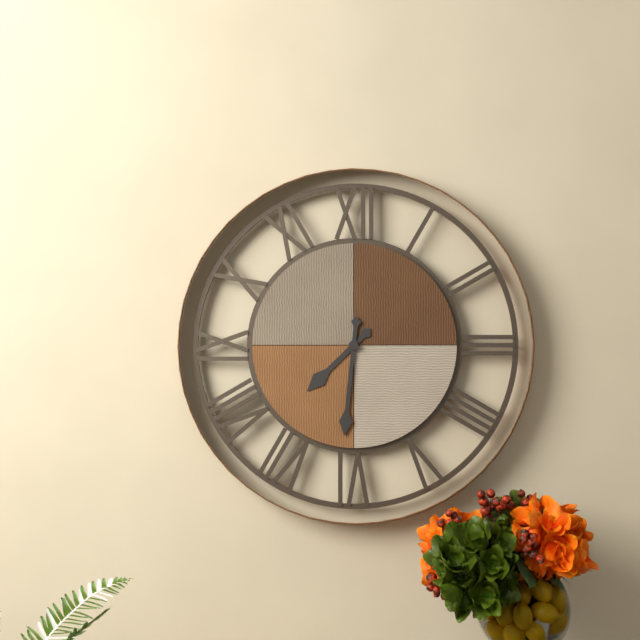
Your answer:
7 h 31 min
